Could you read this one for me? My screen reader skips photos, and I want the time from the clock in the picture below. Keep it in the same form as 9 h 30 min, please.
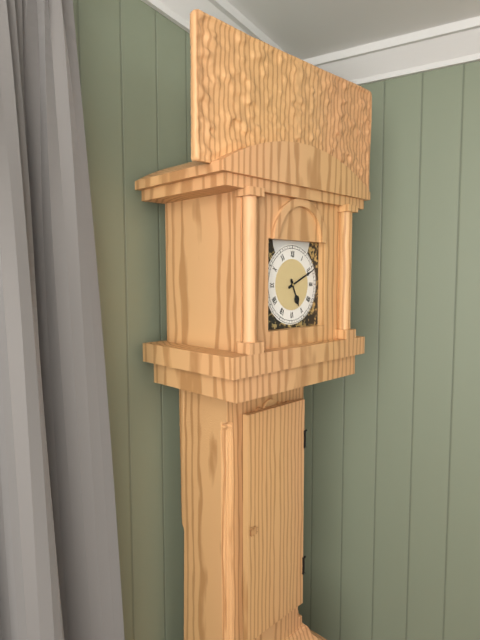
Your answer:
5 h 11 min
